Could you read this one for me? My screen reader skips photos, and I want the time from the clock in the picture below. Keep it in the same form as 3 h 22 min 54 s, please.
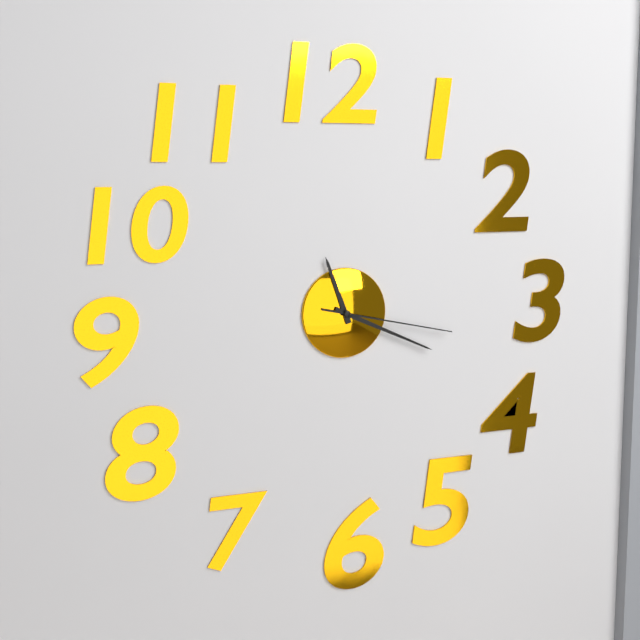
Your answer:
11 h 19 min 17 s
